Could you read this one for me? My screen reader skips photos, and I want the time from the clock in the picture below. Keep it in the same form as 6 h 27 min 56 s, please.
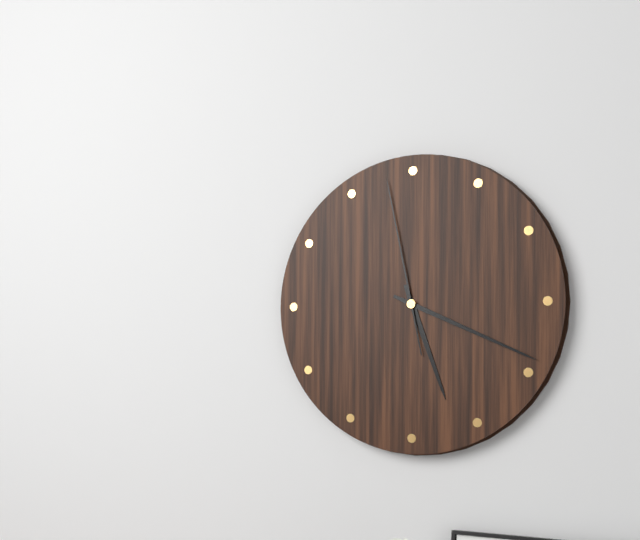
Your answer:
5 h 19 min 58 s
